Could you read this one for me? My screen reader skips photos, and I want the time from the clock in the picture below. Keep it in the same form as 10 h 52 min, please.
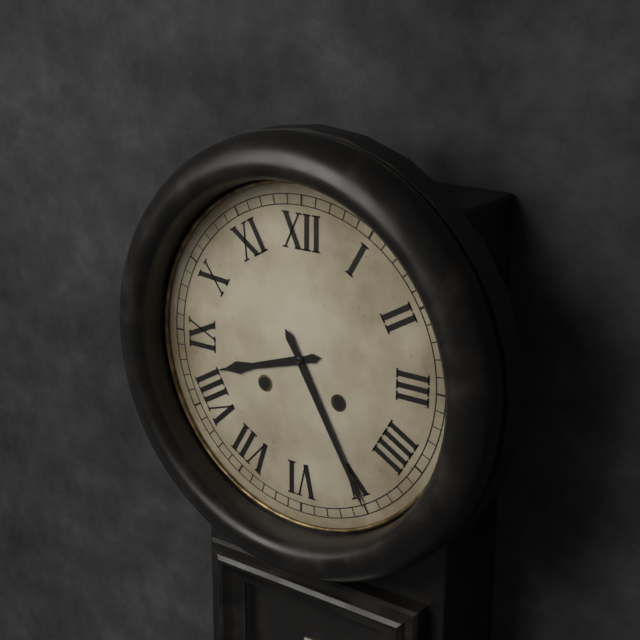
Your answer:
8 h 25 min
